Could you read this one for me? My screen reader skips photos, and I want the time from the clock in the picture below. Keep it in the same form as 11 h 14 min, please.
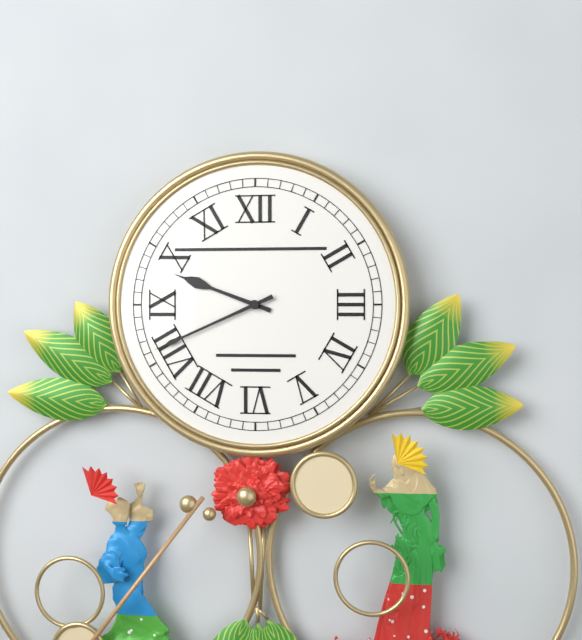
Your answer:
9 h 41 min
